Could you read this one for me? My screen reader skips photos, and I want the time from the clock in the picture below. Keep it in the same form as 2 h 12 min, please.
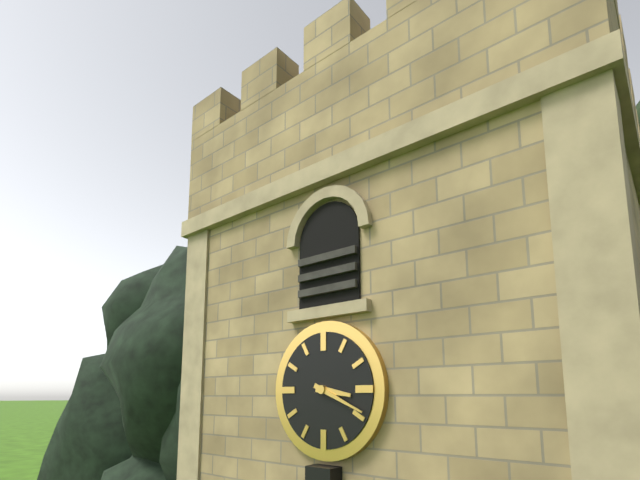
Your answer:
3 h 19 min
